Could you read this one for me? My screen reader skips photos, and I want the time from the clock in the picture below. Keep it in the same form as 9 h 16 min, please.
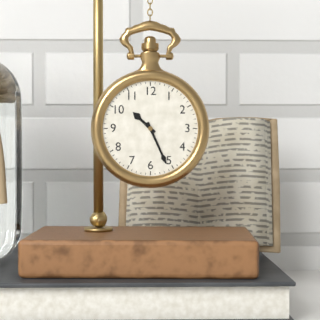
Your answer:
10 h 26 min
